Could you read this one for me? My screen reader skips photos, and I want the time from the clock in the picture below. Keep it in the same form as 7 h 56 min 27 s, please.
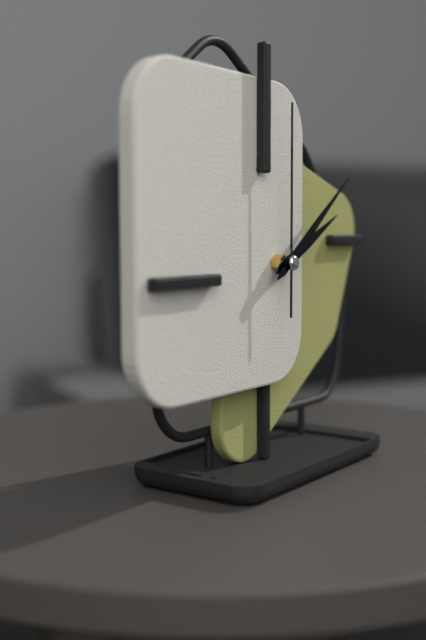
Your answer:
2 h 09 min 00 s
